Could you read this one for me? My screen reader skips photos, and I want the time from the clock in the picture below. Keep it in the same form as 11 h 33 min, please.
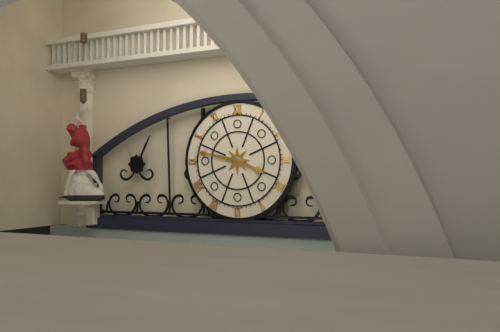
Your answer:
3 h 47 min
